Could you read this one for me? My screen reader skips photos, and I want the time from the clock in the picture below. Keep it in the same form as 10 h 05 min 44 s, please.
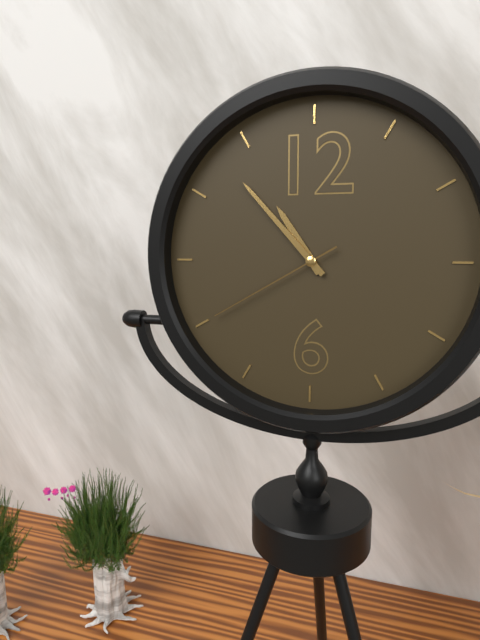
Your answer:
10 h 53 min 40 s
